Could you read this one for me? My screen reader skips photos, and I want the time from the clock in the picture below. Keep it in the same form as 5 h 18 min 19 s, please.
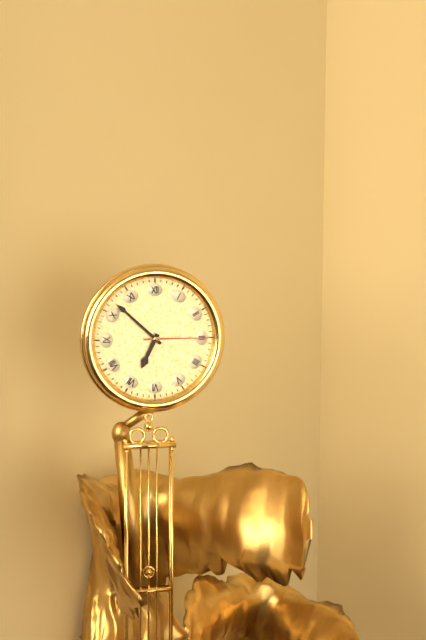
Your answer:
6 h 52 min 15 s
